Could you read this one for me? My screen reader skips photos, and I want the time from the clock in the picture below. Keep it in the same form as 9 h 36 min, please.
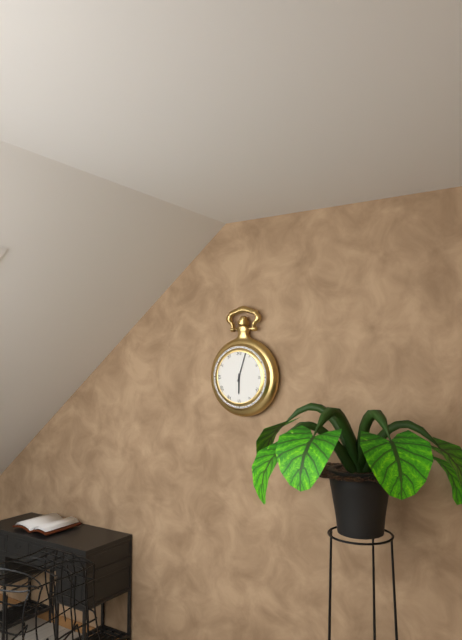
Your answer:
6 h 03 min
